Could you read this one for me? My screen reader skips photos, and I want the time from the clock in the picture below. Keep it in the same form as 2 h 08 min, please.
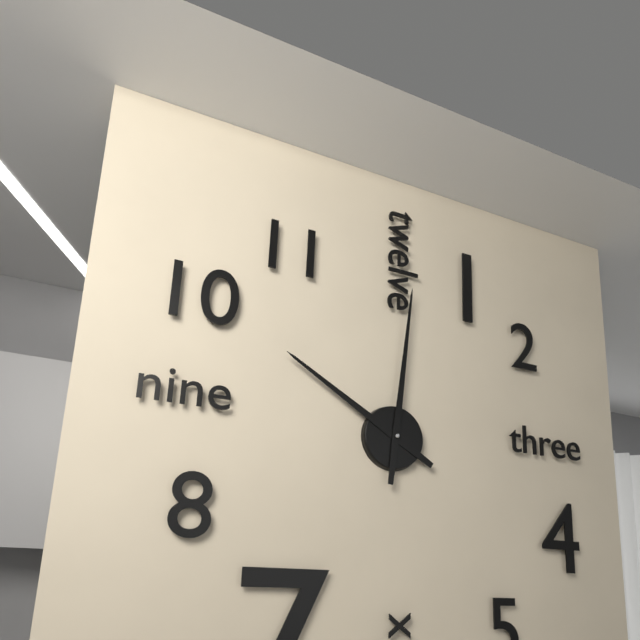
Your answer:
10 h 01 min
